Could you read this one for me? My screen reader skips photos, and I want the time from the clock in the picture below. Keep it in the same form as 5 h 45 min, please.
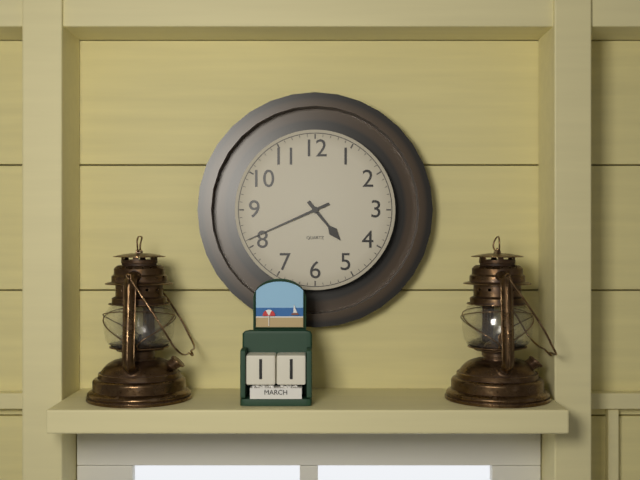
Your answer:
4 h 41 min
